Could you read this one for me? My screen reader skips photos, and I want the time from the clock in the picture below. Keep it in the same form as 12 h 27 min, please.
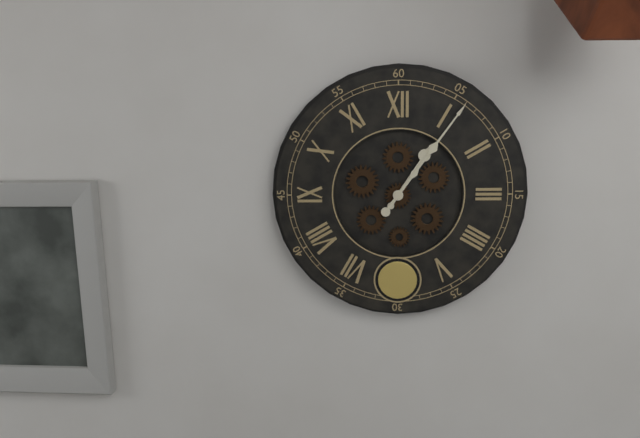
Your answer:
1 h 06 min
